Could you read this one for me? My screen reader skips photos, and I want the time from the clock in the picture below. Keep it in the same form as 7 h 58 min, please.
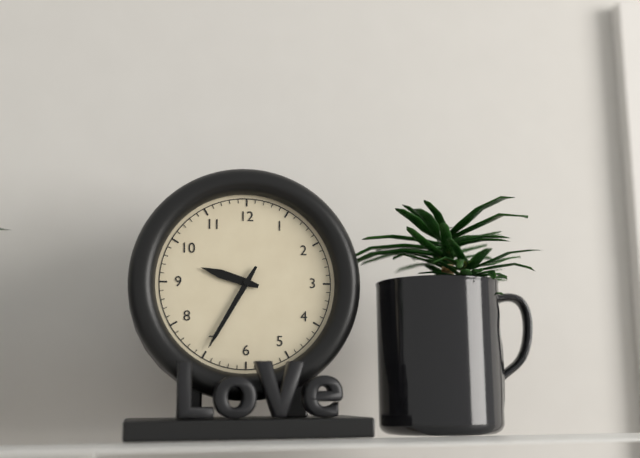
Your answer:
9 h 35 min
